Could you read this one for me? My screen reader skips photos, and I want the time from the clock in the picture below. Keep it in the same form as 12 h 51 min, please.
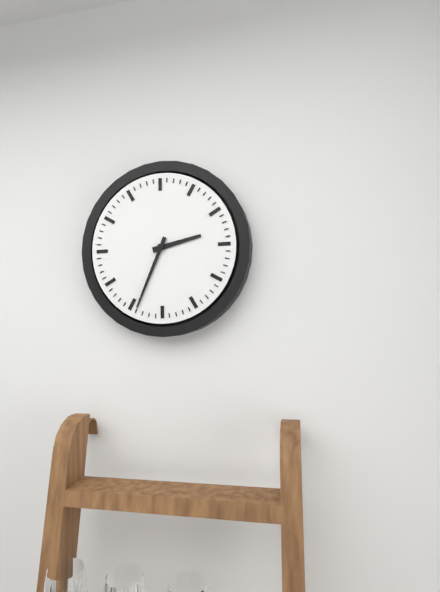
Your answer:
2 h 34 min
